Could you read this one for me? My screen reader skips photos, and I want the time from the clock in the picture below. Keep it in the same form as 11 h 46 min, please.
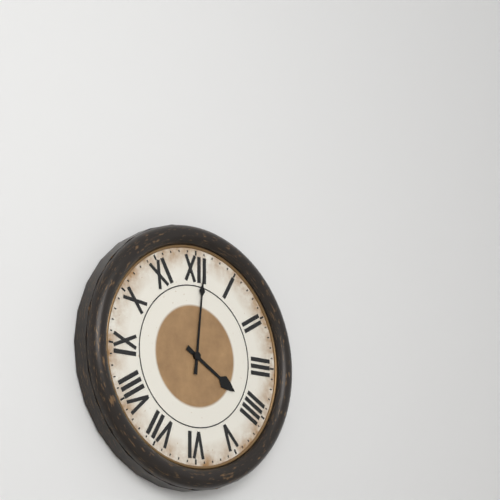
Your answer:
4 h 01 min
